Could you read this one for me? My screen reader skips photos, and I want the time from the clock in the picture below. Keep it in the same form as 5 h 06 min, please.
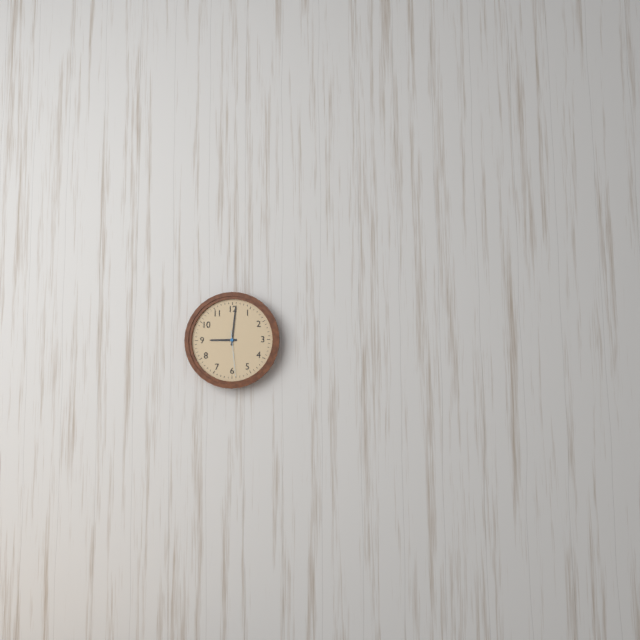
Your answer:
9 h 01 min
